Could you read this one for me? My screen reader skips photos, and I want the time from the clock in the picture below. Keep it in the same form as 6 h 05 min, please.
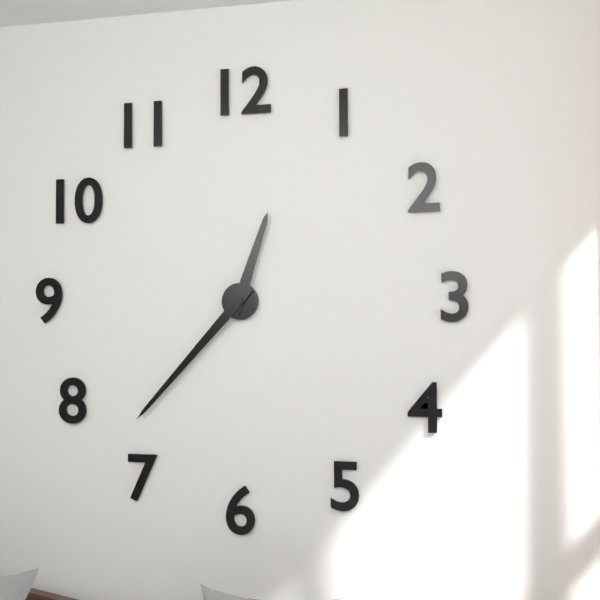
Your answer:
12 h 37 min
